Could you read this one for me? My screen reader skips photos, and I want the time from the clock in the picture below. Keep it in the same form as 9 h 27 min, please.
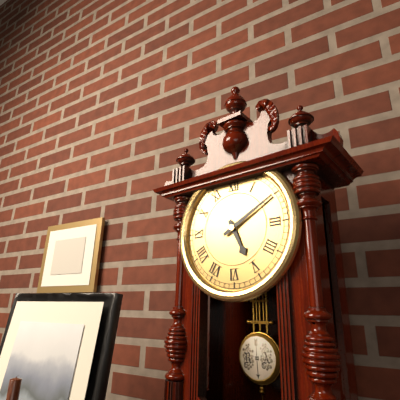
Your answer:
5 h 10 min
